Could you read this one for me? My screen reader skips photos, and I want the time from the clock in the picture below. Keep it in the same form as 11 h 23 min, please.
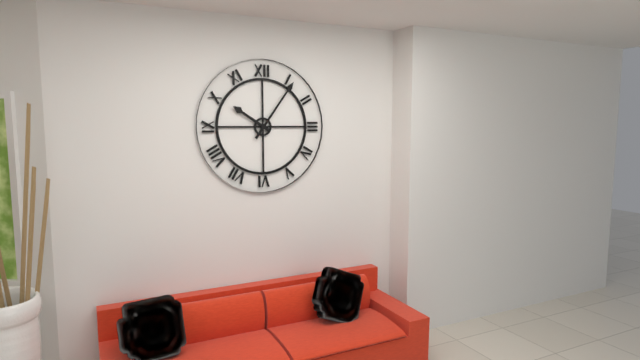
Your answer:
10 h 06 min
